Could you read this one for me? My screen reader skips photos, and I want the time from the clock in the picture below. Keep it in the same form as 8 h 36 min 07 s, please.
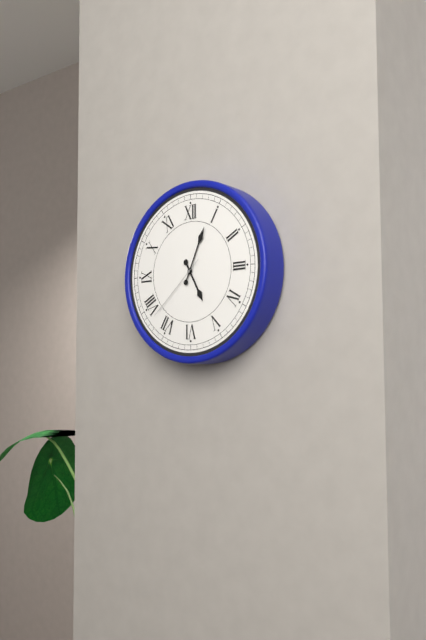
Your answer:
5 h 04 min 38 s
